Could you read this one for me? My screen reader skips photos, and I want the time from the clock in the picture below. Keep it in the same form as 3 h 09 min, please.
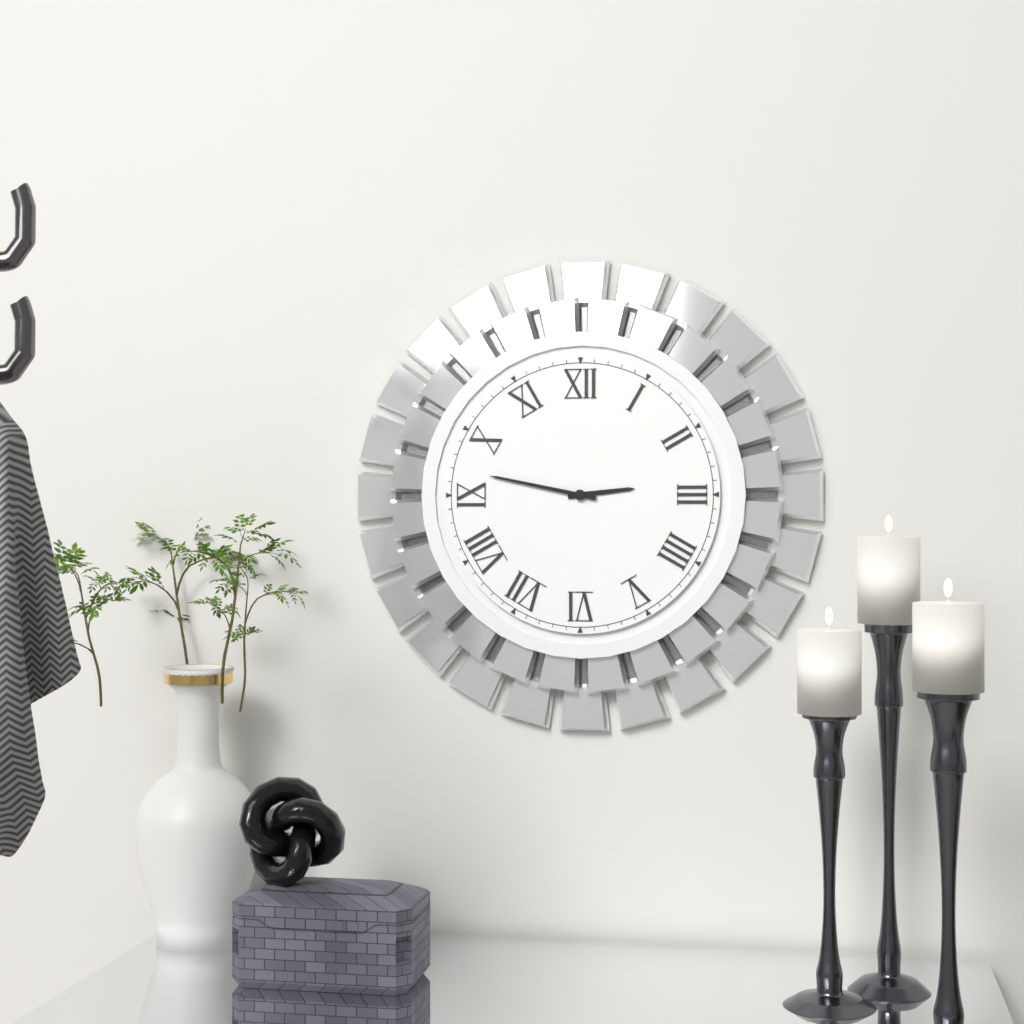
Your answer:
2 h 47 min
